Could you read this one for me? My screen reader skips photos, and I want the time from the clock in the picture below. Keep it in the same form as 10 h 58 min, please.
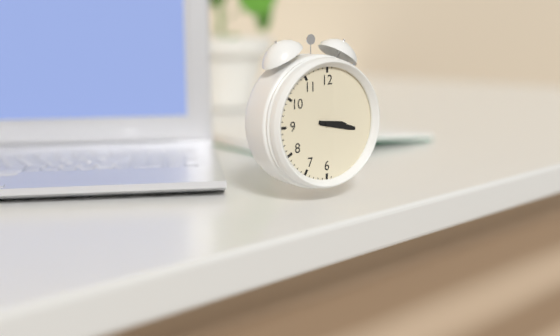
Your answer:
3 h 17 min
